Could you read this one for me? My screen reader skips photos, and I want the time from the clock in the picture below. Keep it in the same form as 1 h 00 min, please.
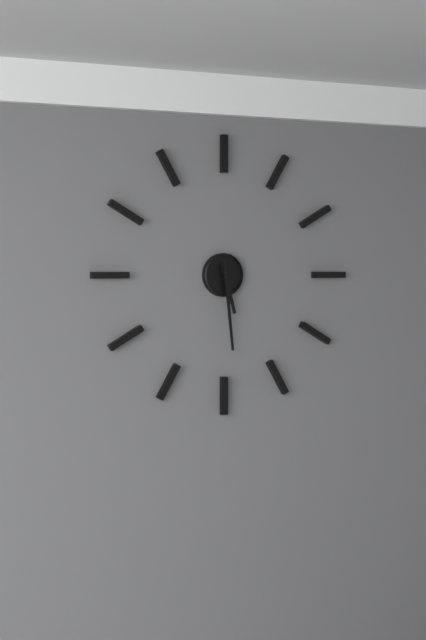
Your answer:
5 h 29 min
